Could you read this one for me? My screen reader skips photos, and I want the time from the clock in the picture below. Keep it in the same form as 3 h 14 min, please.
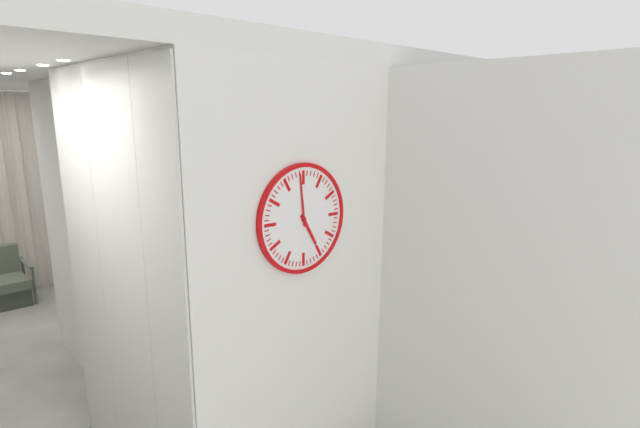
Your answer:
4 h 59 min
